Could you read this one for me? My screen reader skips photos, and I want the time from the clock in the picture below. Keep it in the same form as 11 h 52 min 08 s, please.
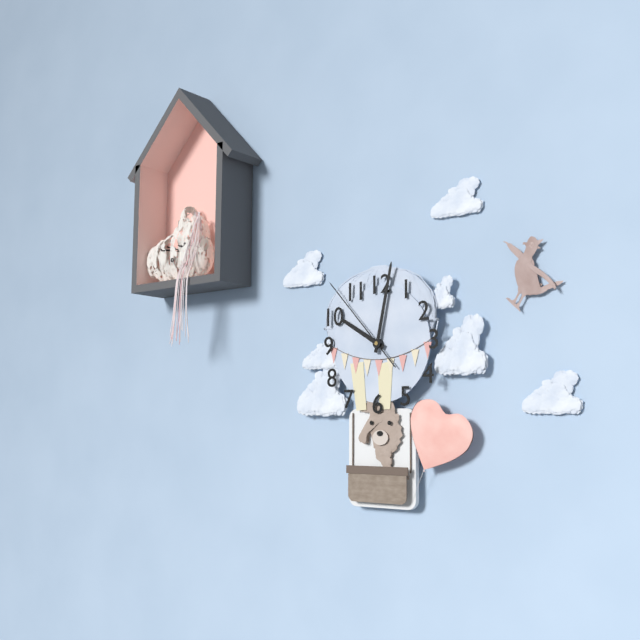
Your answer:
10 h 02 min 53 s
